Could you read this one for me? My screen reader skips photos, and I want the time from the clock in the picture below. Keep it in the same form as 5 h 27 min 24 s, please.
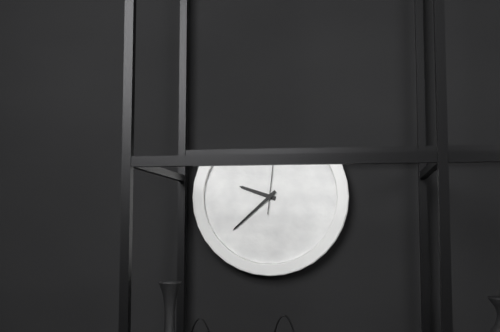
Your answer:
9 h 38 min 01 s
